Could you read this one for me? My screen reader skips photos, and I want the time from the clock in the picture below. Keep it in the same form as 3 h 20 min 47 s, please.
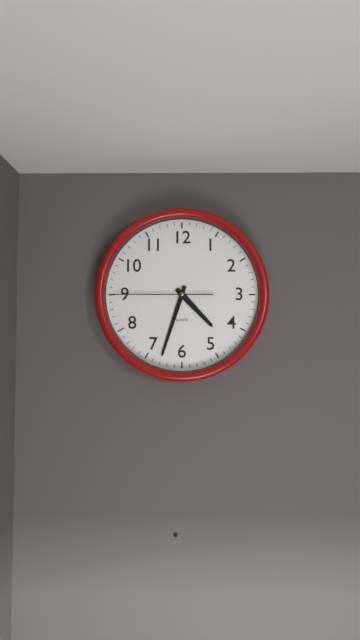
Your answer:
4 h 33 min 45 s
